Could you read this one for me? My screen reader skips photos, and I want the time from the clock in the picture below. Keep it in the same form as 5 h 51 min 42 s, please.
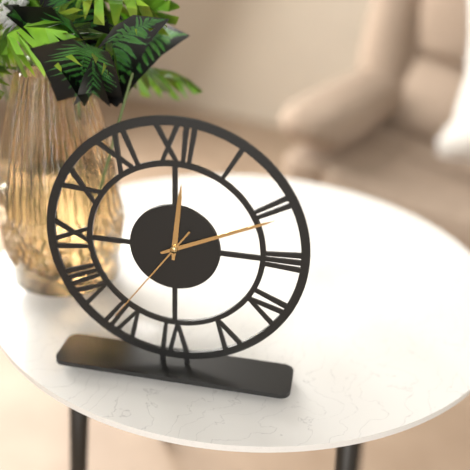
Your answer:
12 h 11 min 36 s
